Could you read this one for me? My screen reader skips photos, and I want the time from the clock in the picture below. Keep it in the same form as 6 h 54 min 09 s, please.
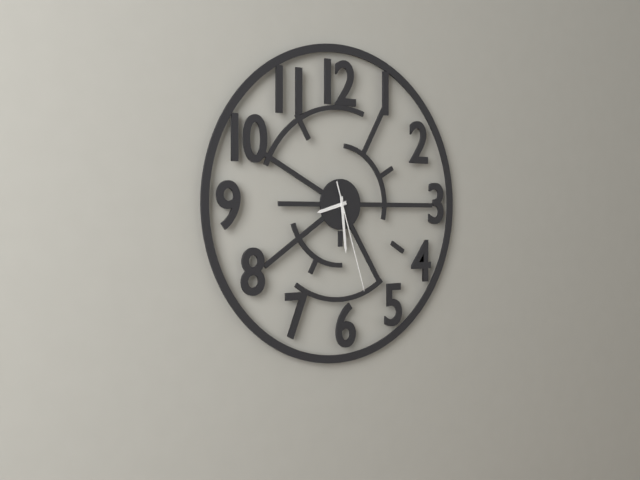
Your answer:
8 h 29 min 27 s
